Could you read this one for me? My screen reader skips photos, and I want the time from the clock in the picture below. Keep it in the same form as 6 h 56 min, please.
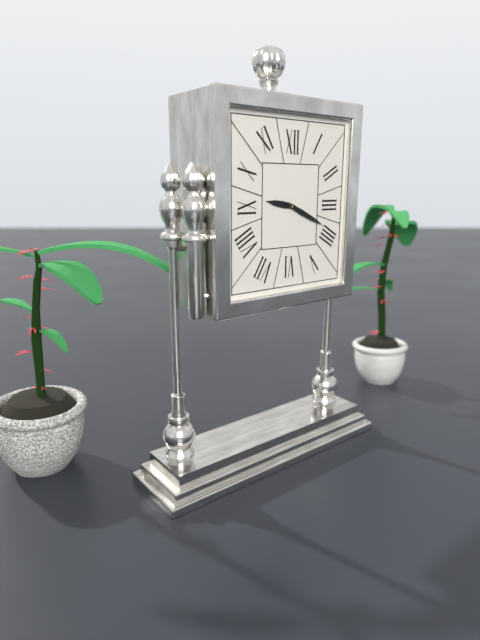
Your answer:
9 h 19 min
